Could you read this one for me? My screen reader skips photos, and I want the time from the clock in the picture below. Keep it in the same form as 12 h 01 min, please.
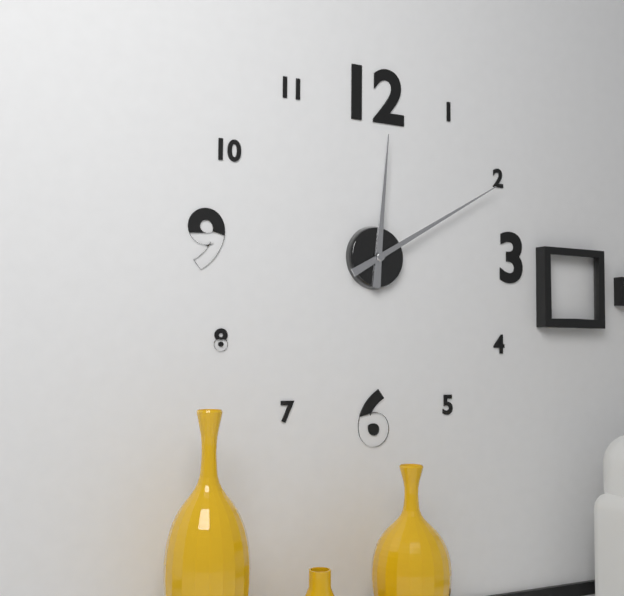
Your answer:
12 h 10 min
